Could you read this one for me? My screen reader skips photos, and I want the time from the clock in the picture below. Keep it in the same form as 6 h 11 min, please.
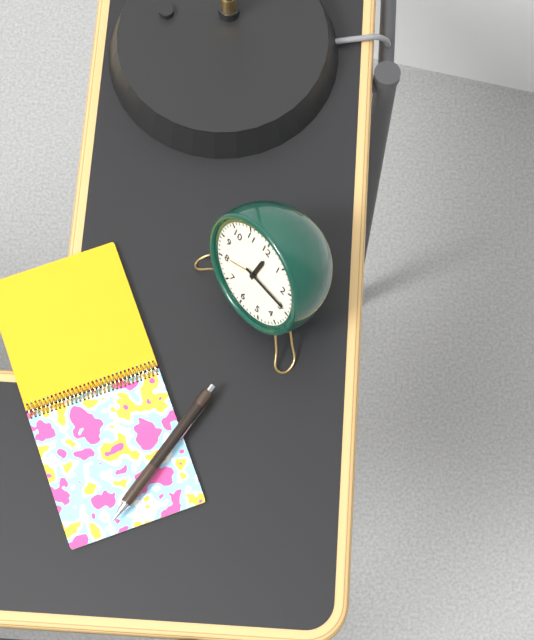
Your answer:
12 h 14 min
